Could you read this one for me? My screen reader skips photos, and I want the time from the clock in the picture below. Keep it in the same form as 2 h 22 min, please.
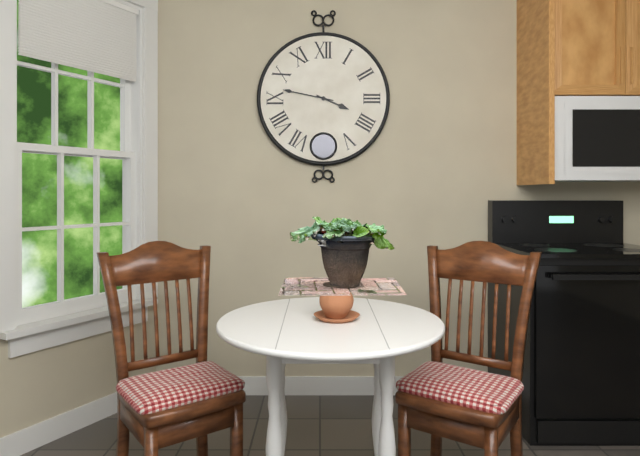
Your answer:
3 h 47 min
